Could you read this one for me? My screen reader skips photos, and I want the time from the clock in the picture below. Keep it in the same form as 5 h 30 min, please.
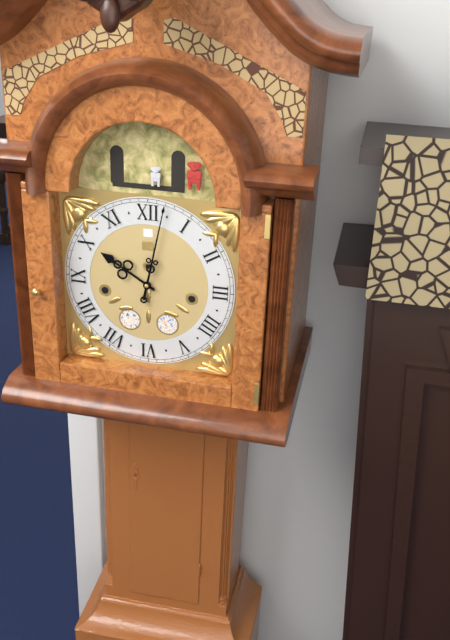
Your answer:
10 h 02 min
